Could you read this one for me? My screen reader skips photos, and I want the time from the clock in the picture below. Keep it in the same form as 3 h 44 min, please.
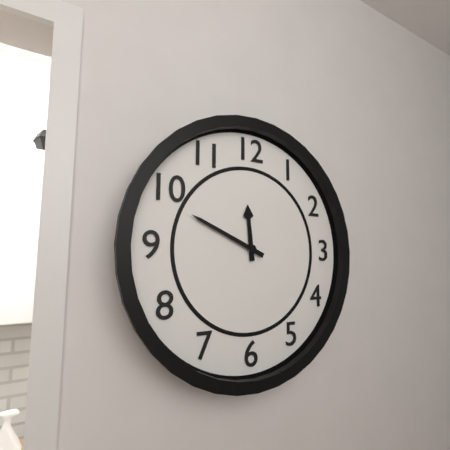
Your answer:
11 h 49 min
